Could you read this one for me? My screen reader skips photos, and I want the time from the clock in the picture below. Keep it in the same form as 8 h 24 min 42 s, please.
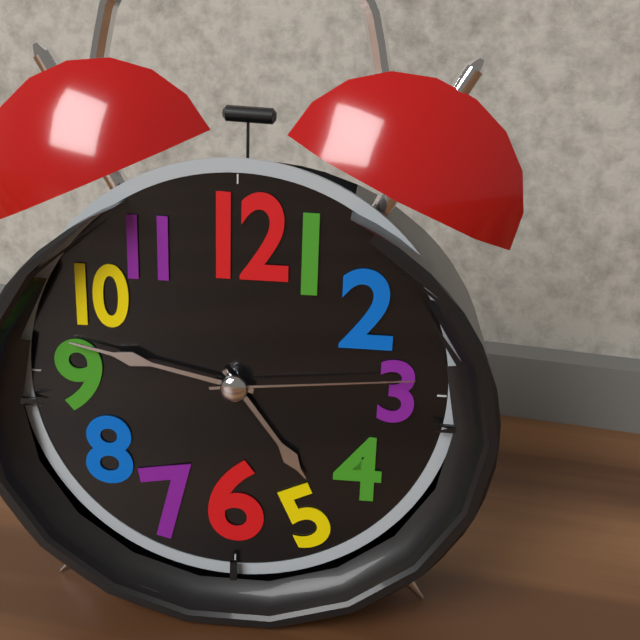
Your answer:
4 h 47 min 14 s
